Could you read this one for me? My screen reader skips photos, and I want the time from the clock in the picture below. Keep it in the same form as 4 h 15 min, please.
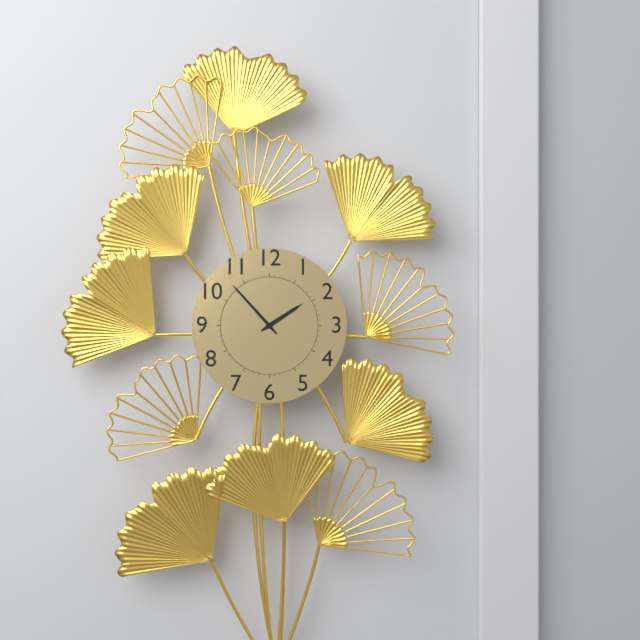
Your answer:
1 h 53 min
